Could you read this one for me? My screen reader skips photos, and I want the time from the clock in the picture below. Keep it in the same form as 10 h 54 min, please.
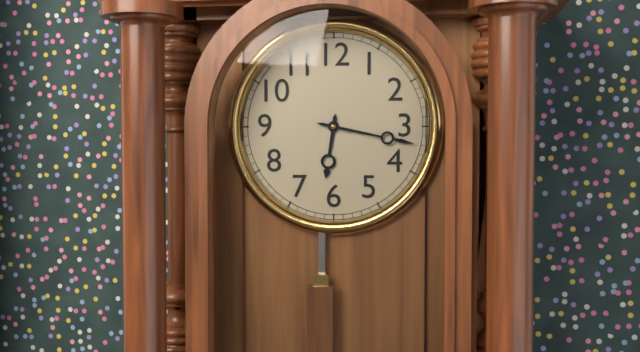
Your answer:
6 h 17 min
